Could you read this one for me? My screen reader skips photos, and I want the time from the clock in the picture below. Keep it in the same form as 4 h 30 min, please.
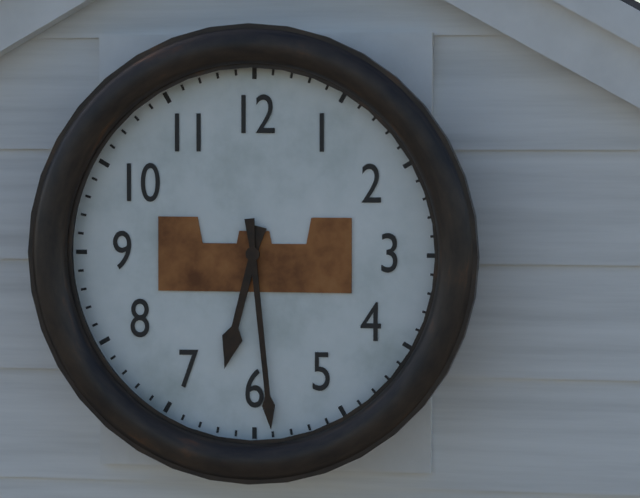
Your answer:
6 h 29 min
